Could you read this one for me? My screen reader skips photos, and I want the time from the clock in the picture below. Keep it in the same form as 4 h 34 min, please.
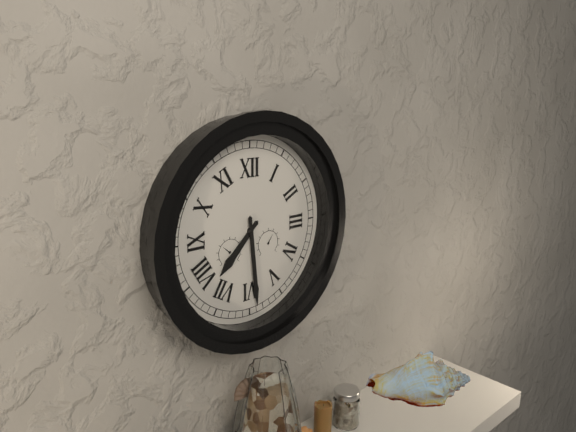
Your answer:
7 h 29 min
